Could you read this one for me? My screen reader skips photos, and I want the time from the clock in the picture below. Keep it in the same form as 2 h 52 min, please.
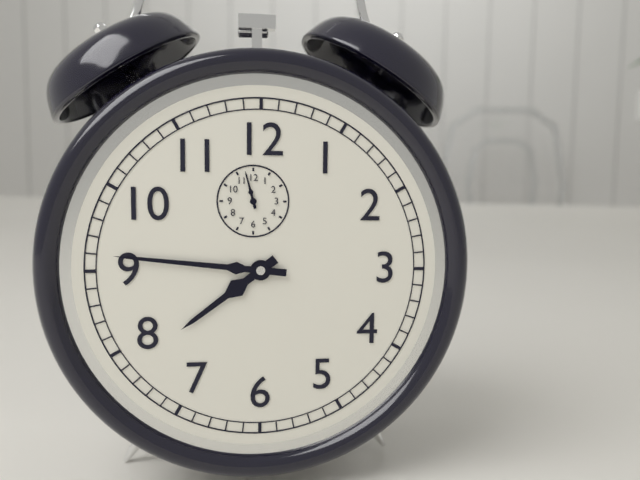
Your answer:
7 h 46 min
